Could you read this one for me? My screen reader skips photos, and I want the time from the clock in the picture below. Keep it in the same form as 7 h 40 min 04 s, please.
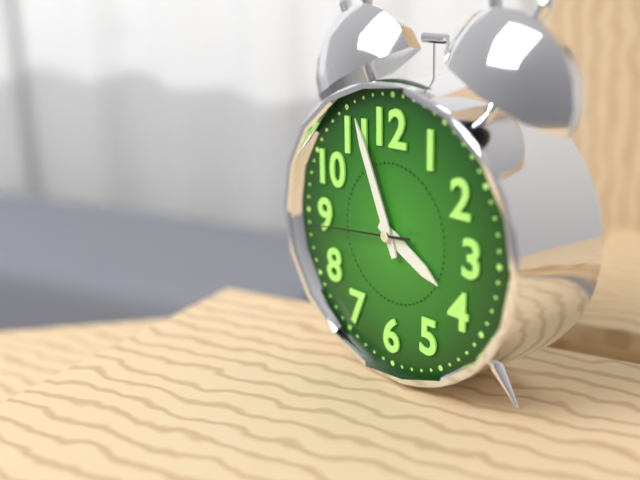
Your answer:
3 h 56 min 44 s
